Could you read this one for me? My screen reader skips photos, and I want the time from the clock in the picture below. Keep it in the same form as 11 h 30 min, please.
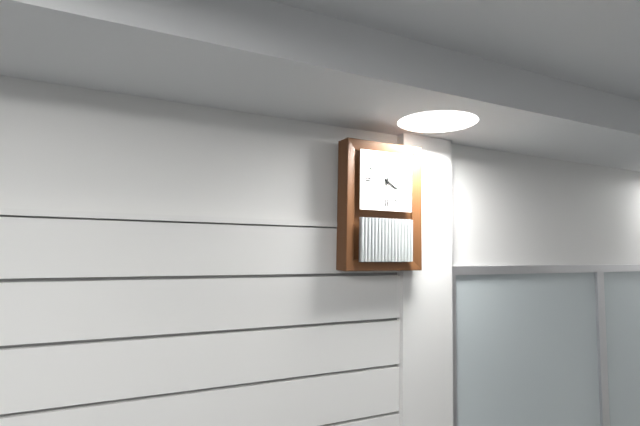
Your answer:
4 h 02 min
